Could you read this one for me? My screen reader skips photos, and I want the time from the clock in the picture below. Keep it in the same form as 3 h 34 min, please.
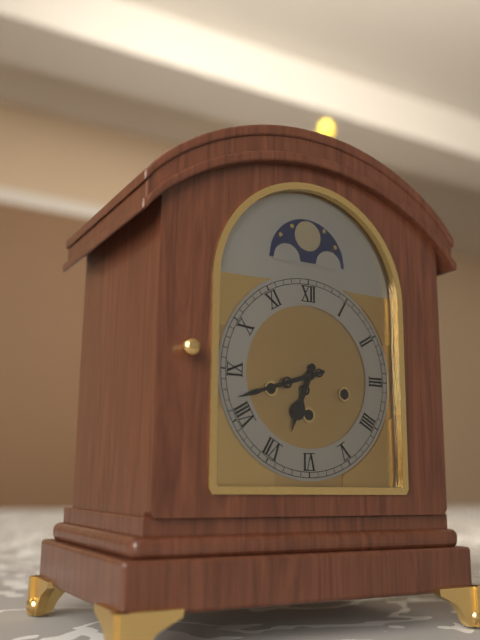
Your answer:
6 h 42 min
